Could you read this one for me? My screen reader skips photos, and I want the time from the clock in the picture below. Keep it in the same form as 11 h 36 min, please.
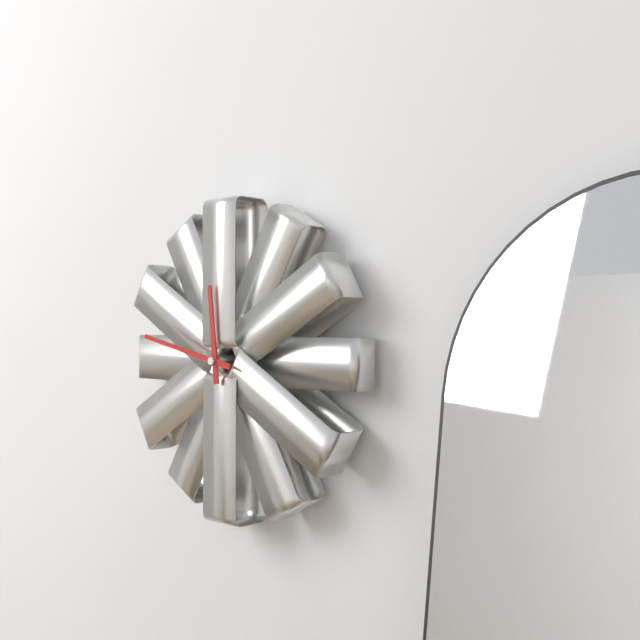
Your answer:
11 h 47 min
